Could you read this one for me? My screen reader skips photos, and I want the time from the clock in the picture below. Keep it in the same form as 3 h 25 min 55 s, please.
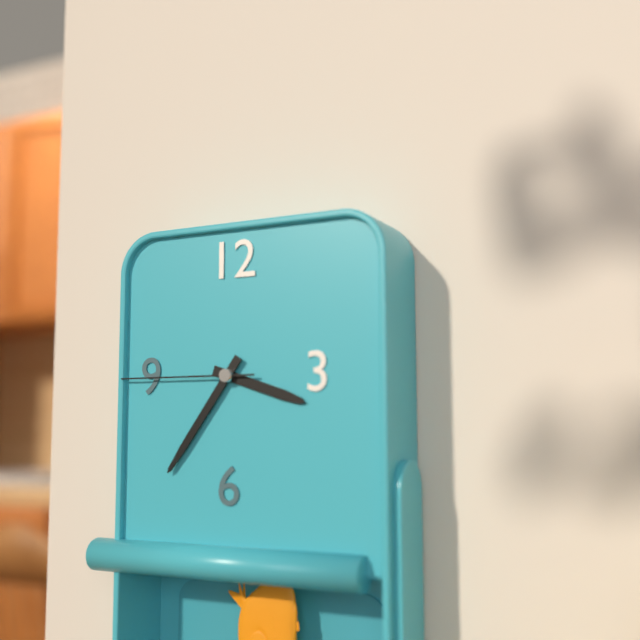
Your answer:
3 h 36 min 45 s
